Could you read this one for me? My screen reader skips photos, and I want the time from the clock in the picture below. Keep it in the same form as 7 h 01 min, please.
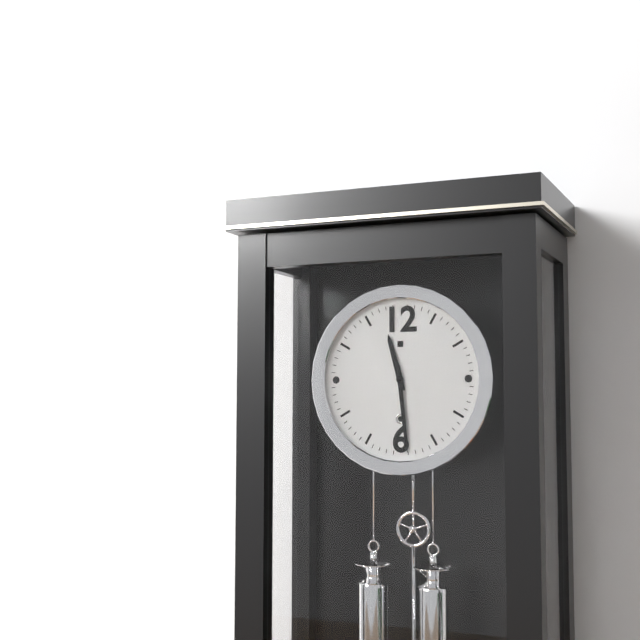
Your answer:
11 h 29 min
